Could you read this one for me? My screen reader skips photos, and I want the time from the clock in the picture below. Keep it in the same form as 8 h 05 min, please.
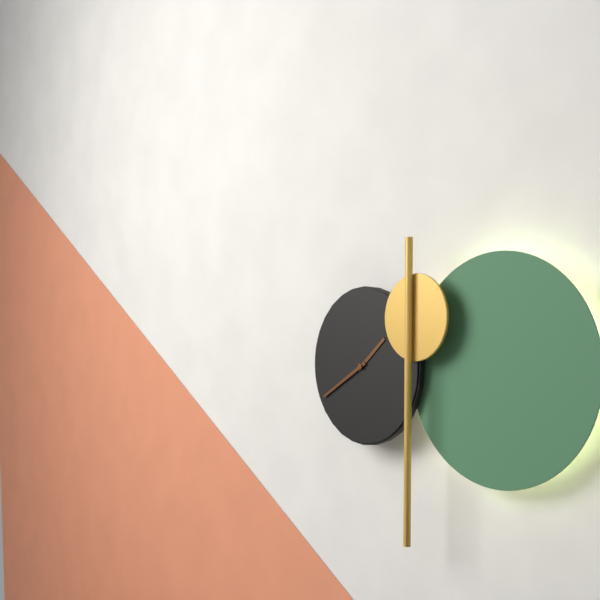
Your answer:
1 h 40 min
